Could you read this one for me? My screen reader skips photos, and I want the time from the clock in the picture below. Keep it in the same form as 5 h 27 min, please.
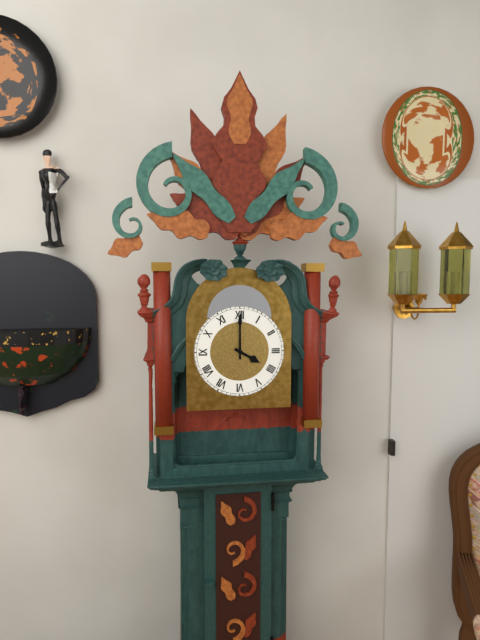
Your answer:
4 h 00 min
